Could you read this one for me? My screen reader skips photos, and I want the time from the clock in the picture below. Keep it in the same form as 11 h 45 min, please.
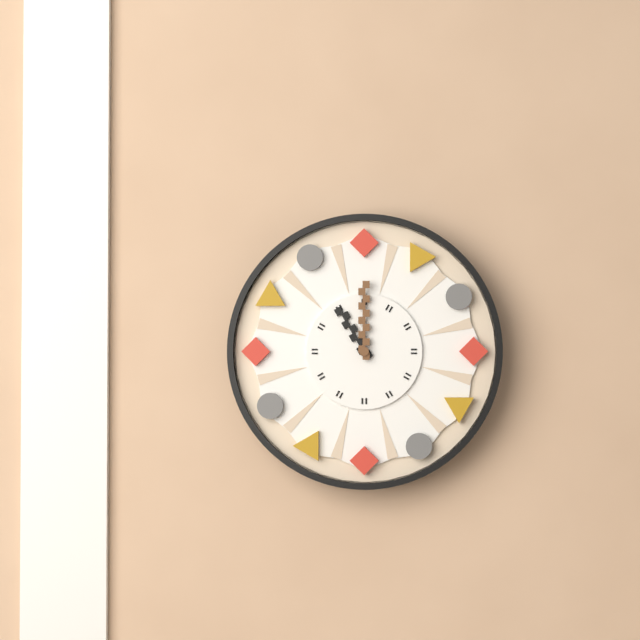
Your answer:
11 h 00 min
